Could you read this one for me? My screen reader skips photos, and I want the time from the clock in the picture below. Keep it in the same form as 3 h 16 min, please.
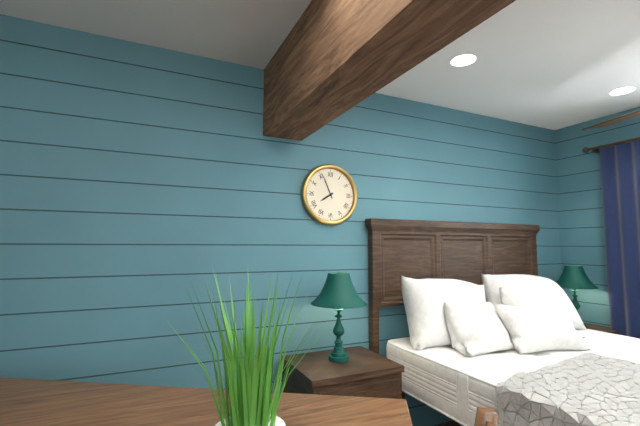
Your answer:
7 h 56 min
